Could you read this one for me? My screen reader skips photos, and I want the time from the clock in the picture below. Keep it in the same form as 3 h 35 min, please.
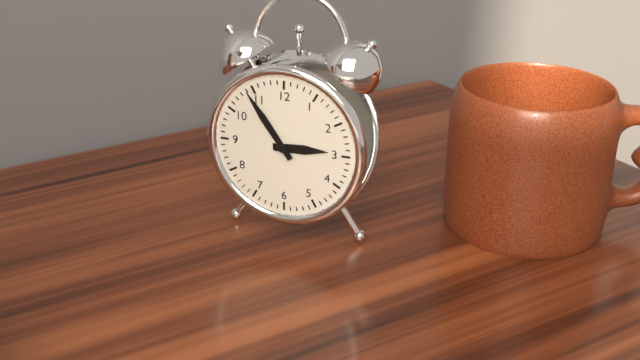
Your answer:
2 h 54 min
